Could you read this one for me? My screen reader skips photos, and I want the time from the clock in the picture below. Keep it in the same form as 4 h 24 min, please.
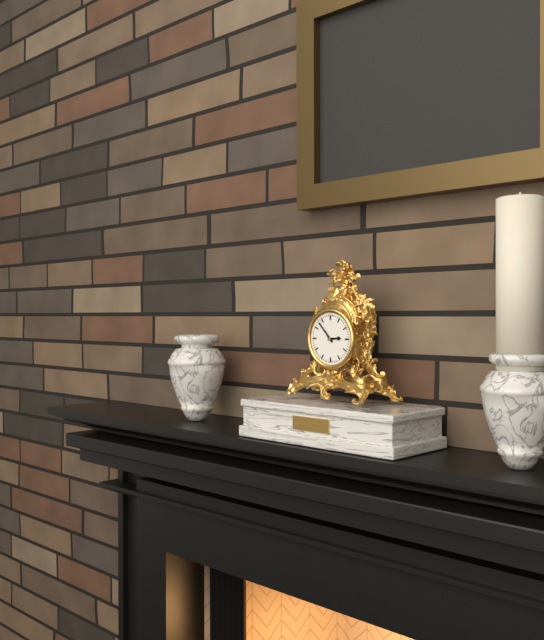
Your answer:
2 h 53 min
